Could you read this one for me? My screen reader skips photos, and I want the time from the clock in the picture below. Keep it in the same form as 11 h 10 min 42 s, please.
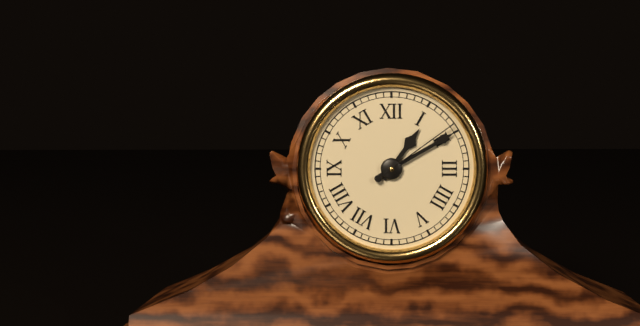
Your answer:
1 h 10 min 09 s
